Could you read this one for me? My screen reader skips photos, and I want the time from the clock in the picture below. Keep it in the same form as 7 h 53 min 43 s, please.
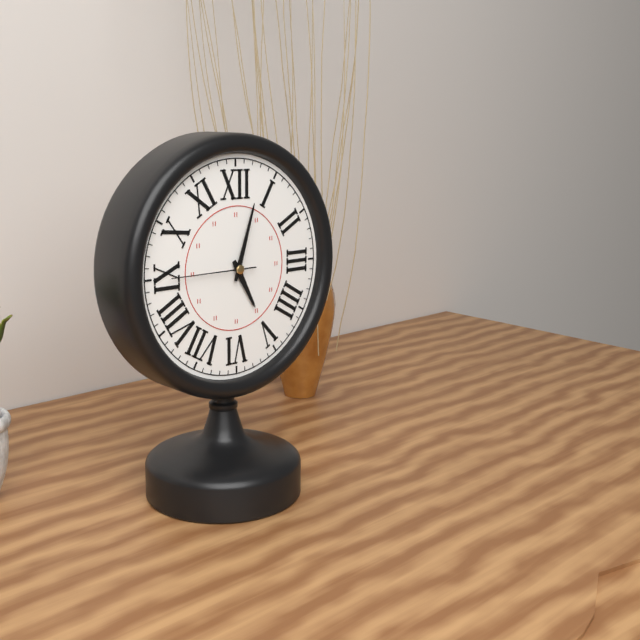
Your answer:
5 h 03 min 45 s
